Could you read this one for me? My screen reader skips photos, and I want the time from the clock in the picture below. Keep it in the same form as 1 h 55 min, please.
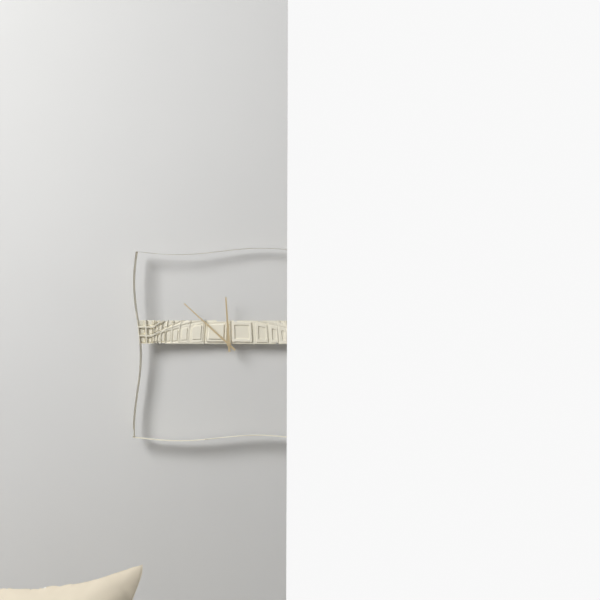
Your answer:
11 h 52 min
